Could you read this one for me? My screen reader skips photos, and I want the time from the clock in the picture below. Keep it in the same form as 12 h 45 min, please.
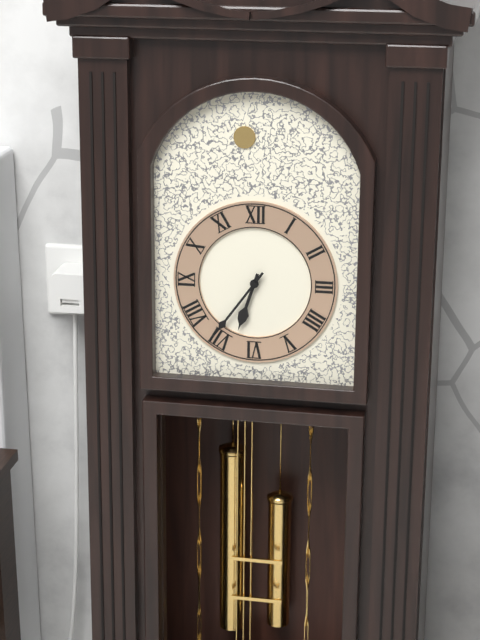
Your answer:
6 h 36 min
